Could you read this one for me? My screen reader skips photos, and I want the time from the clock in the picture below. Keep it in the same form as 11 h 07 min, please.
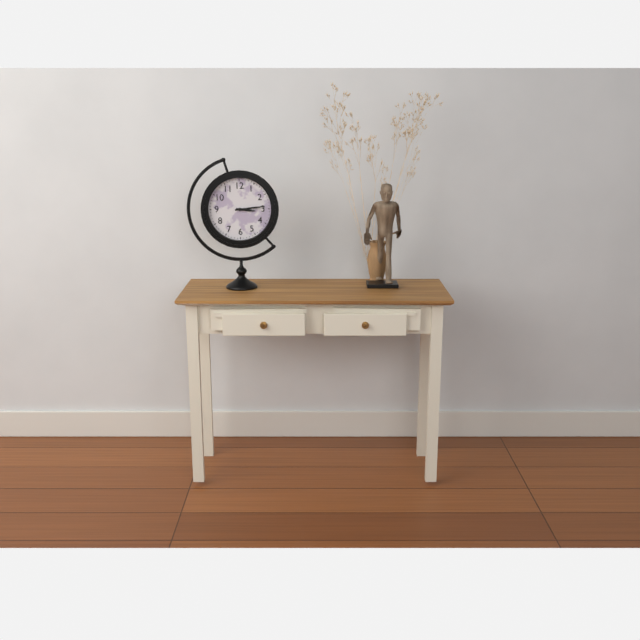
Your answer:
3 h 14 min
